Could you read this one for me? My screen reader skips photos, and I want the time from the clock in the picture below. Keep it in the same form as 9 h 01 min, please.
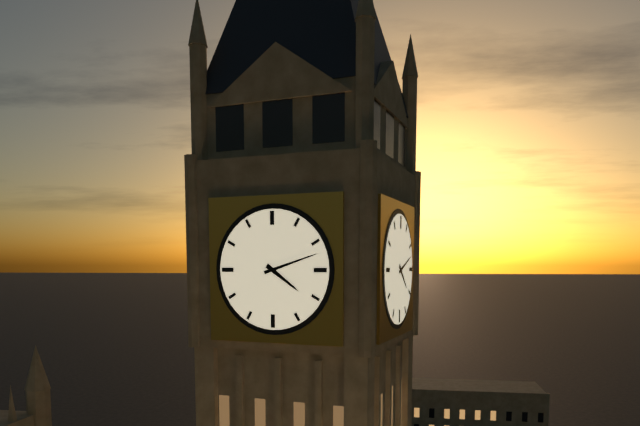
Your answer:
4 h 12 min
